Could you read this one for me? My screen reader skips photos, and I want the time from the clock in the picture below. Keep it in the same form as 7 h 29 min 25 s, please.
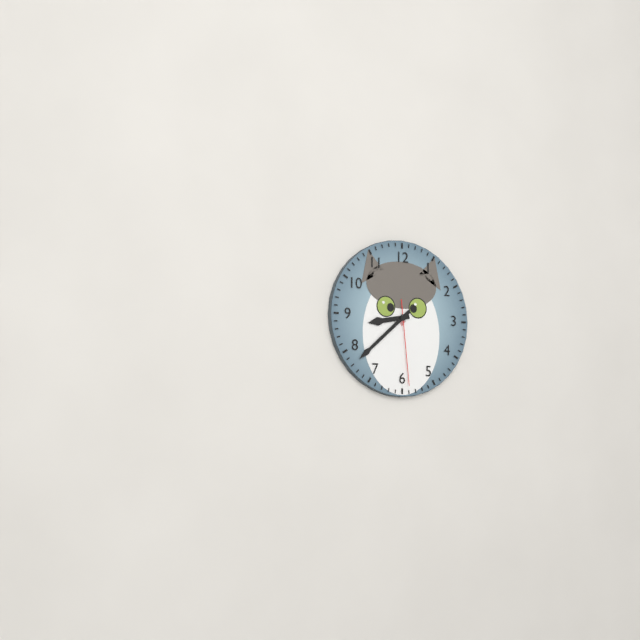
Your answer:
8 h 38 min 29 s
